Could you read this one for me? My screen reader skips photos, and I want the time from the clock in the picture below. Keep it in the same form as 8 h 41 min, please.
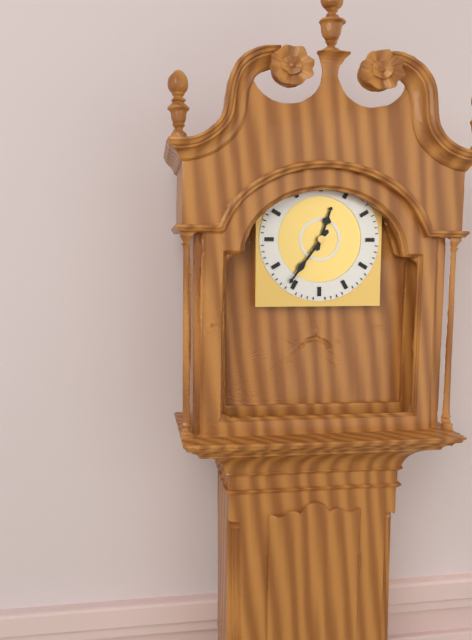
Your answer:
12 h 36 min
